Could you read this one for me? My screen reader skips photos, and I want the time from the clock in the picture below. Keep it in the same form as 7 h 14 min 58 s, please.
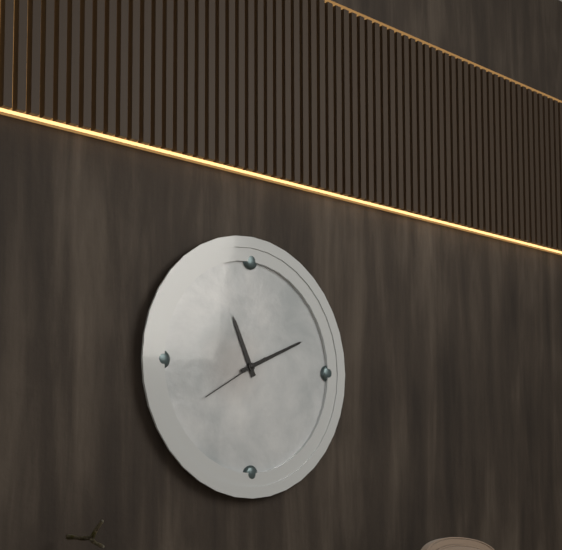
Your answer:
11 h 11 min 40 s
